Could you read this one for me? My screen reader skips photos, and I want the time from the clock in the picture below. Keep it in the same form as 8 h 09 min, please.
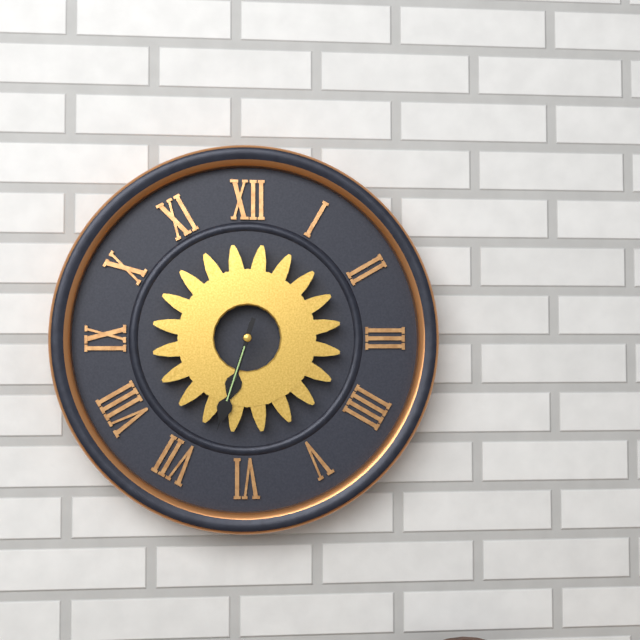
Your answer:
6 h 33 min
